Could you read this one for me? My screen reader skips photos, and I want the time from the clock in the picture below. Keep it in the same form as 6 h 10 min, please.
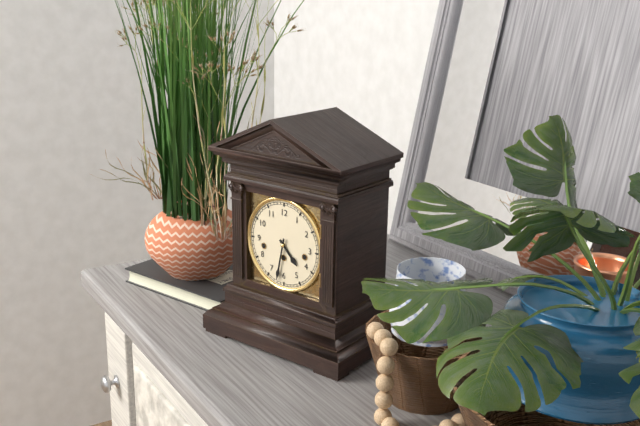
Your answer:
4 h 32 min
